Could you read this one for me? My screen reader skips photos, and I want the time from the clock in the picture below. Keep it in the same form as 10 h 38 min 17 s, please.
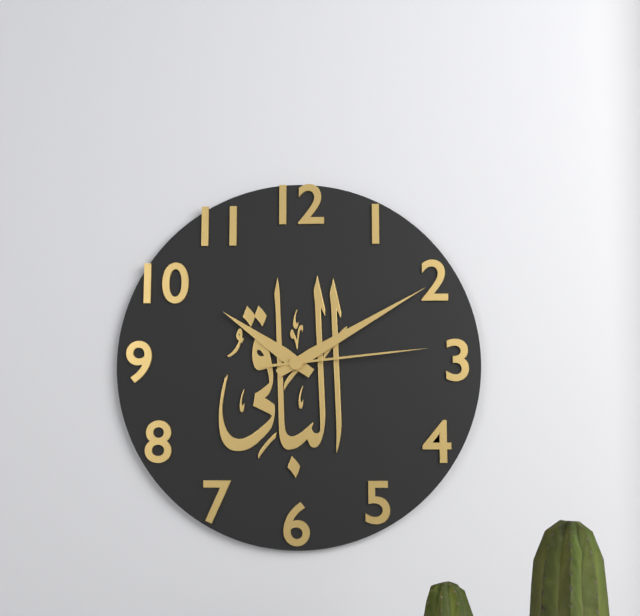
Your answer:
10 h 10 min 14 s
